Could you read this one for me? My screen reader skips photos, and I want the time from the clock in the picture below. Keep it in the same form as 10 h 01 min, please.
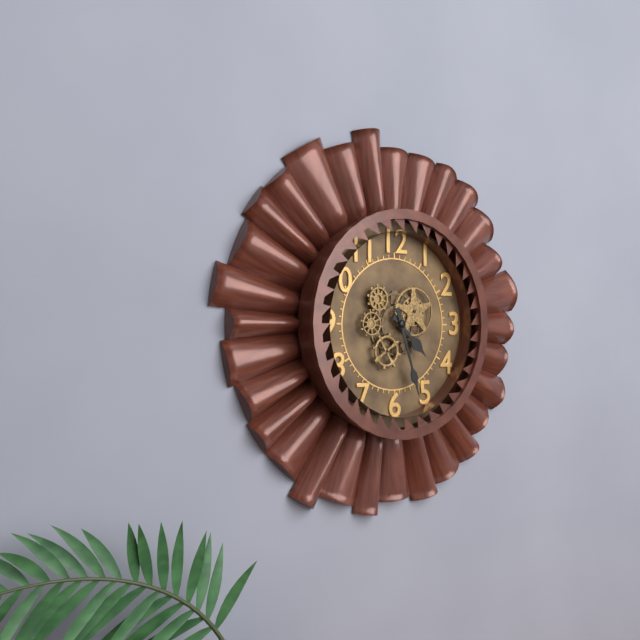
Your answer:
4 h 27 min
